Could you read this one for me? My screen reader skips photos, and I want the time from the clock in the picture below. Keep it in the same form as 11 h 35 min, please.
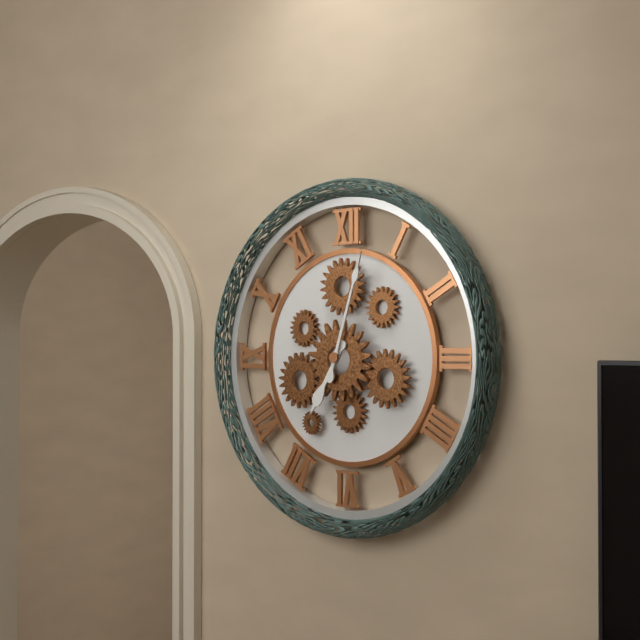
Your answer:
7 h 03 min
